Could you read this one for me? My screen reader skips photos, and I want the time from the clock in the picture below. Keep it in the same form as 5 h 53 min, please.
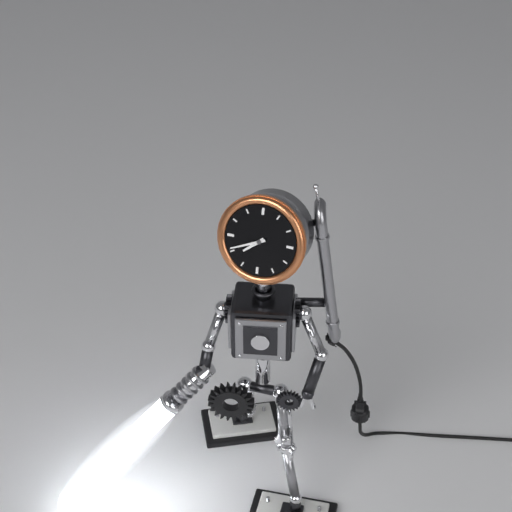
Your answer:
7 h 41 min
